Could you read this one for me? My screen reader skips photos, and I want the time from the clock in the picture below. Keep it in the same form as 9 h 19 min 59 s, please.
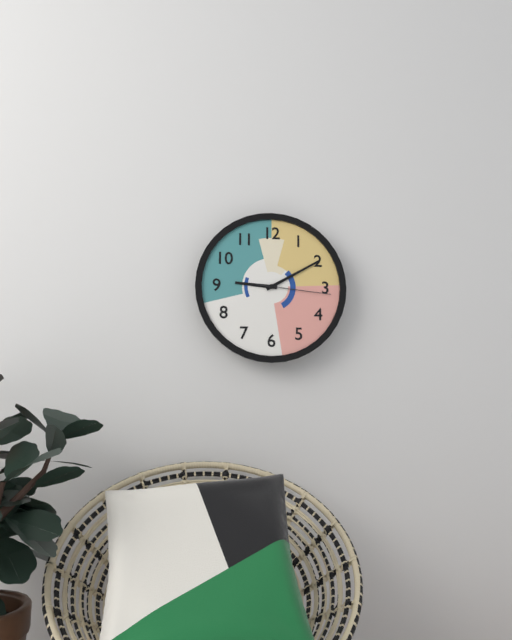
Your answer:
9 h 10 min 16 s
